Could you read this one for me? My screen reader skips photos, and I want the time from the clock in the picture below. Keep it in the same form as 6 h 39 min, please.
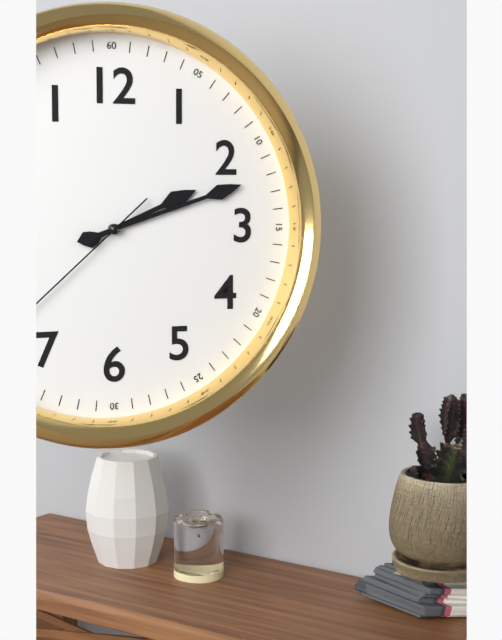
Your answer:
2 h 12 min
